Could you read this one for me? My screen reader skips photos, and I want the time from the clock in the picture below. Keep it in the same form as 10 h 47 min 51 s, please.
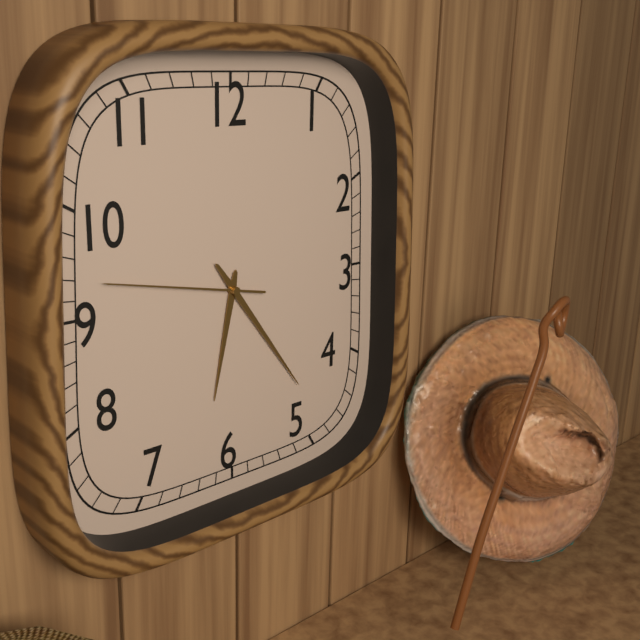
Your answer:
6 h 24 min 47 s
